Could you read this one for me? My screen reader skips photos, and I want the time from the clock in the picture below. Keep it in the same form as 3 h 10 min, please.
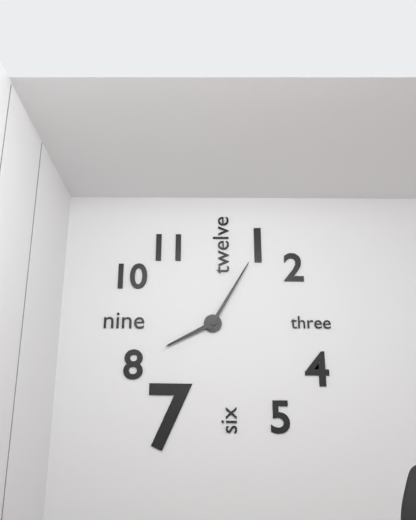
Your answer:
8 h 05 min
